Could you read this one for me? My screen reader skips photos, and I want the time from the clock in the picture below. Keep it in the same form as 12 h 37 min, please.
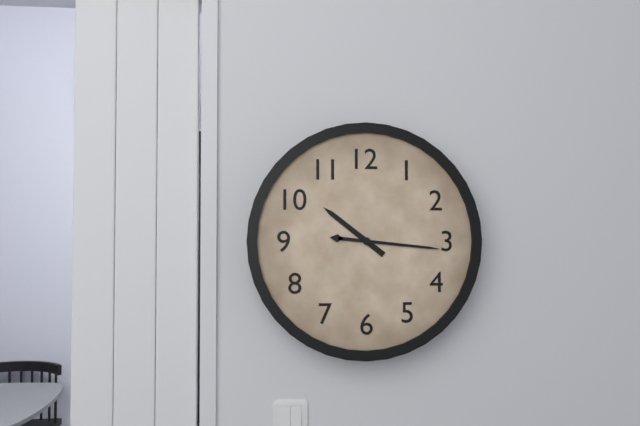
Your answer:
10 h 16 min
